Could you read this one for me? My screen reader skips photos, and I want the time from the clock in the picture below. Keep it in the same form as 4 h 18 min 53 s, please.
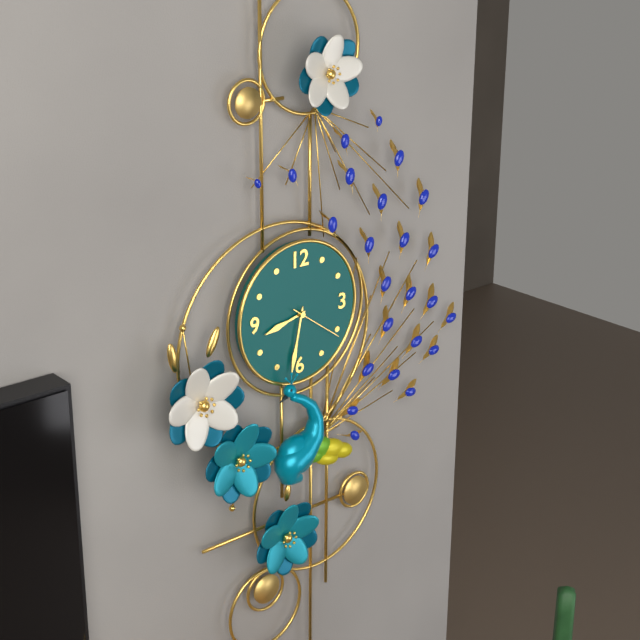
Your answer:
8 h 32 min 21 s
